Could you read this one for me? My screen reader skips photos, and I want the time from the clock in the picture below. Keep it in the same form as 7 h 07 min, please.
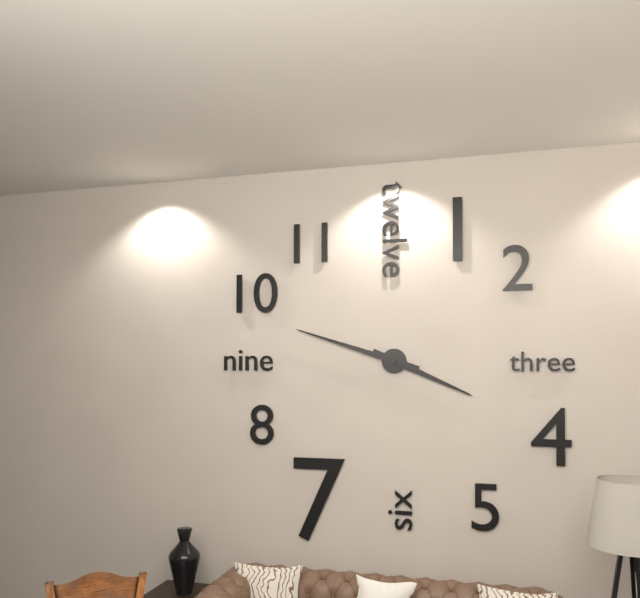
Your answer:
3 h 48 min
